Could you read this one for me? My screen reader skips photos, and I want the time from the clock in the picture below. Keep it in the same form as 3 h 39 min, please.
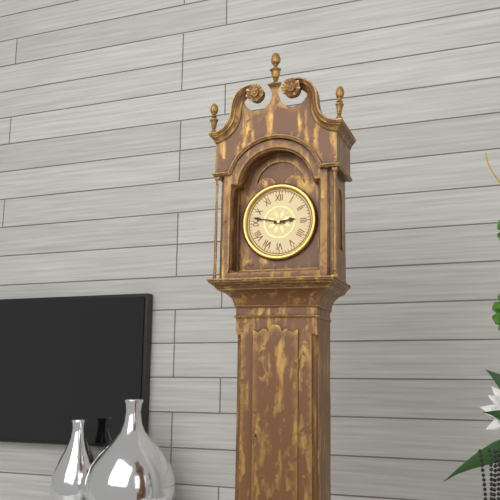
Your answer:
2 h 47 min
